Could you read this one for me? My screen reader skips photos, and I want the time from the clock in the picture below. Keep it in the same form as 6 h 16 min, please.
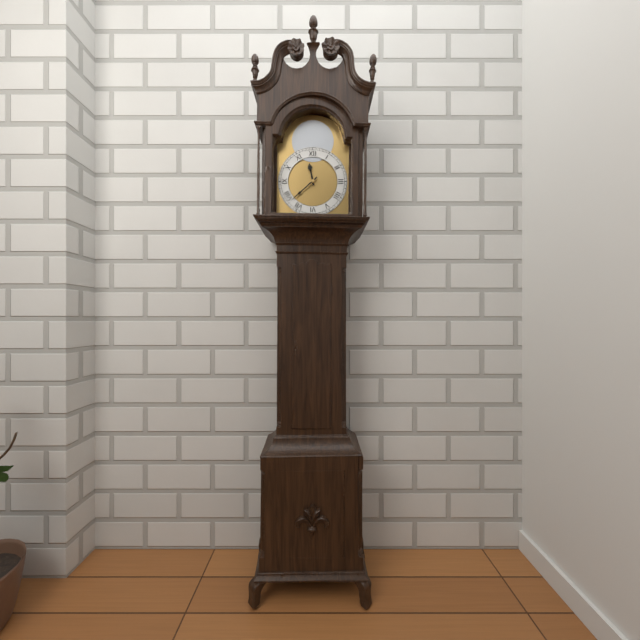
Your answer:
11 h 38 min
